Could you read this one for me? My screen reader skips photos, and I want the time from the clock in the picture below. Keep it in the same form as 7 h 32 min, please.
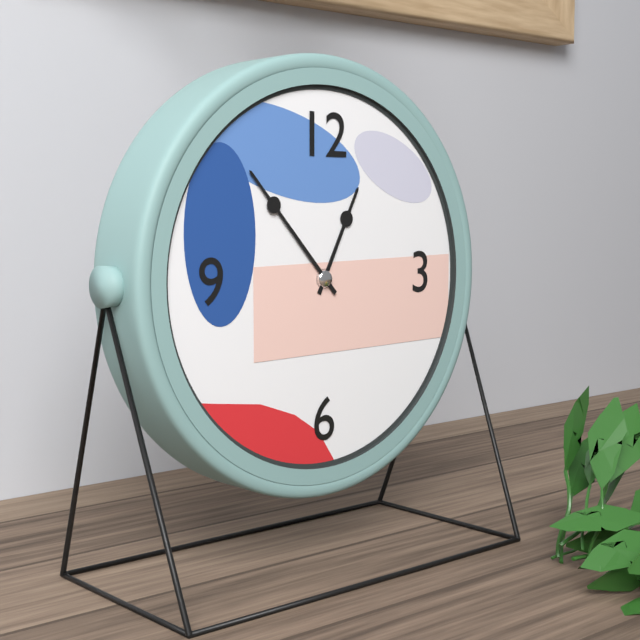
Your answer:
12 h 53 min
